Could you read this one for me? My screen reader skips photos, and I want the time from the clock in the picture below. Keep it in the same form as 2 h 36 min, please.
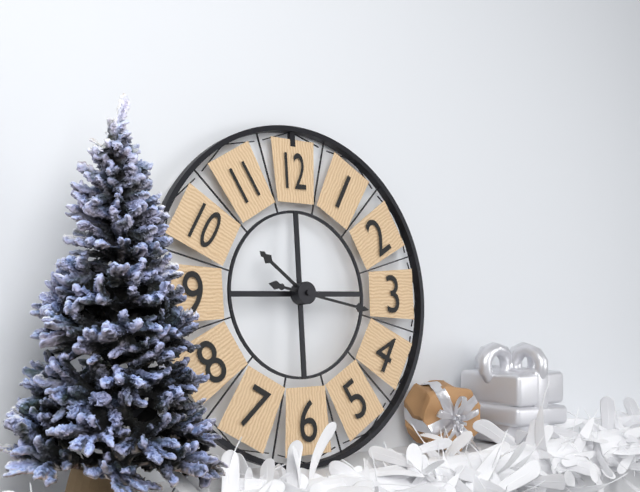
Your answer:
10 h 17 min
